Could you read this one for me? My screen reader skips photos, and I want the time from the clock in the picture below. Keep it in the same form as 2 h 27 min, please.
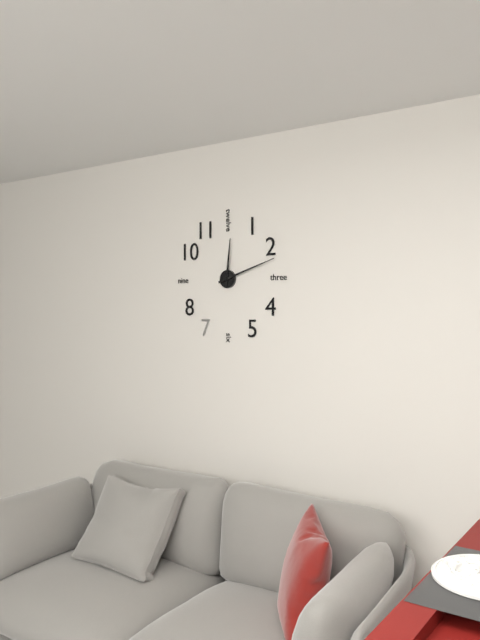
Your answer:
12 h 12 min
